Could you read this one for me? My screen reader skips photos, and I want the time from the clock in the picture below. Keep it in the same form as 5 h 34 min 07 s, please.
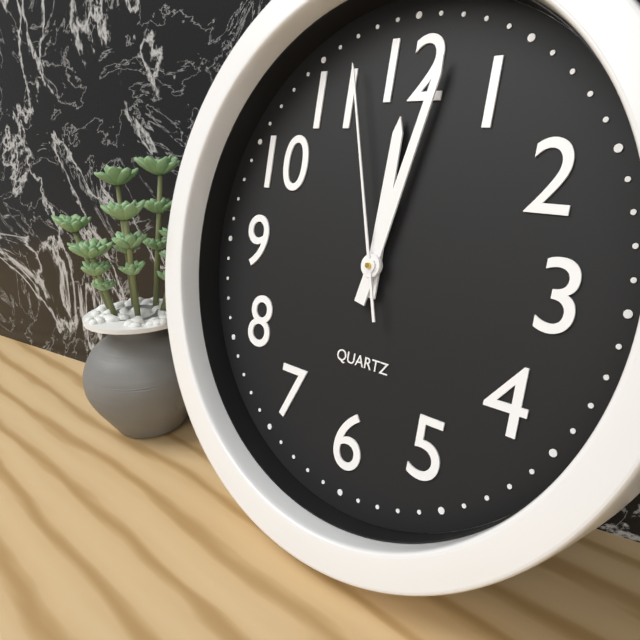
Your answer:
12 h 02 min 57 s
